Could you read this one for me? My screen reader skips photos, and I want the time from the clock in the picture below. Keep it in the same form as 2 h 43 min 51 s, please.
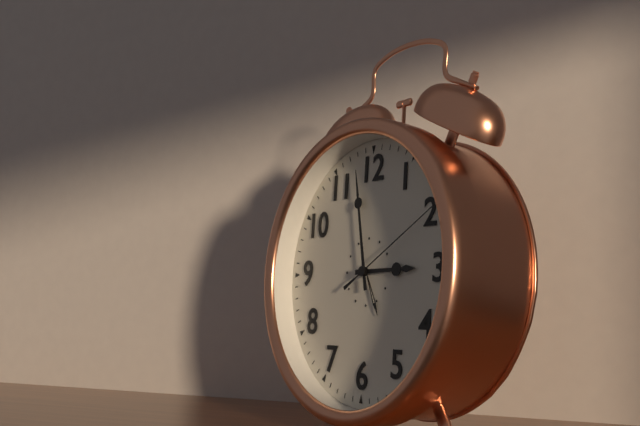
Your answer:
2 h 58 min 10 s
